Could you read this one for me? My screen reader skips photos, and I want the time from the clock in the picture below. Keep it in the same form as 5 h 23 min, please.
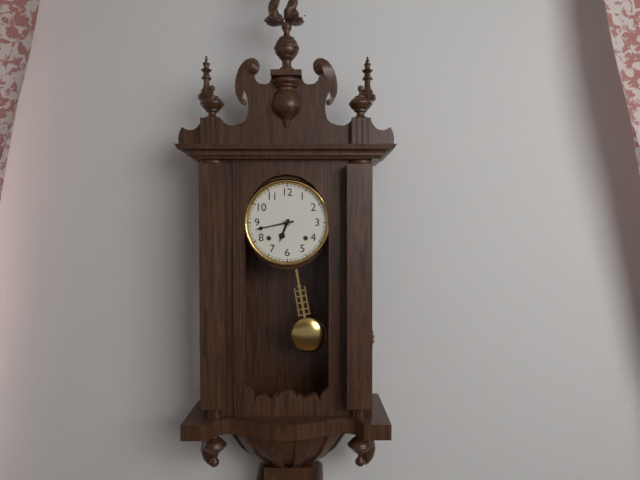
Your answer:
6 h 43 min
